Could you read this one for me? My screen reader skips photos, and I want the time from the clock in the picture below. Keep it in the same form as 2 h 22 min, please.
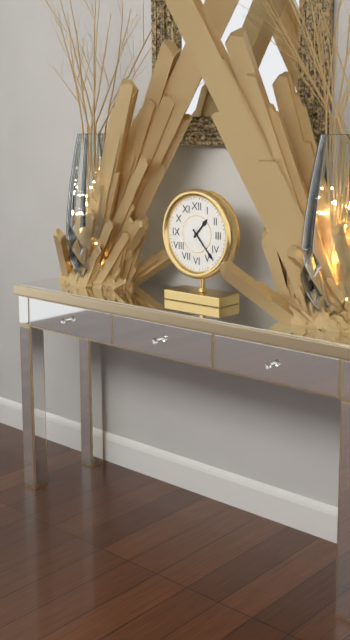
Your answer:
1 h 23 min
